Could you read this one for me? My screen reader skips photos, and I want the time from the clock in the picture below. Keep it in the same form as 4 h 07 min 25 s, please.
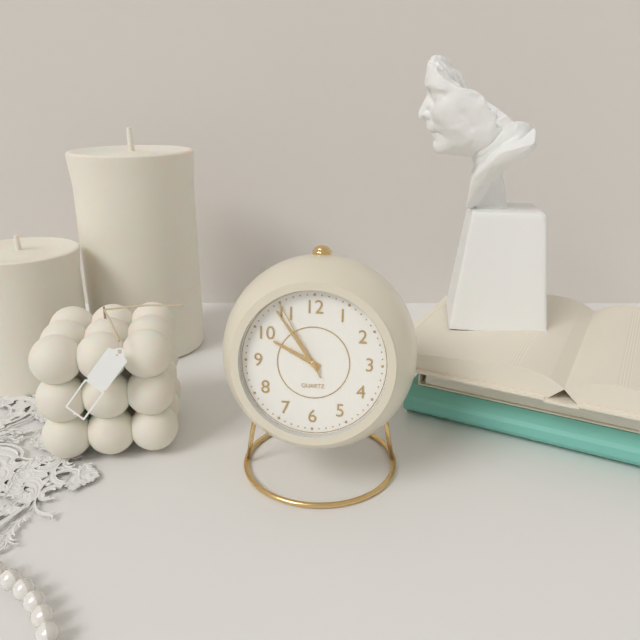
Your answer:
9 h 54 min 55 s
